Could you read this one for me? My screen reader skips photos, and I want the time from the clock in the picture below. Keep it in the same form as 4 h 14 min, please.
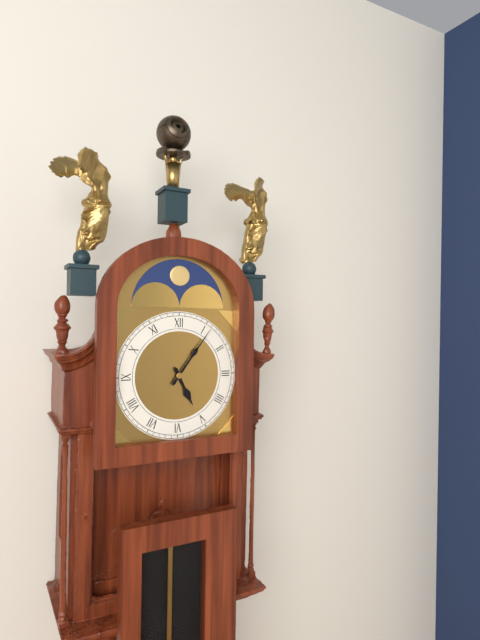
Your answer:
5 h 06 min
